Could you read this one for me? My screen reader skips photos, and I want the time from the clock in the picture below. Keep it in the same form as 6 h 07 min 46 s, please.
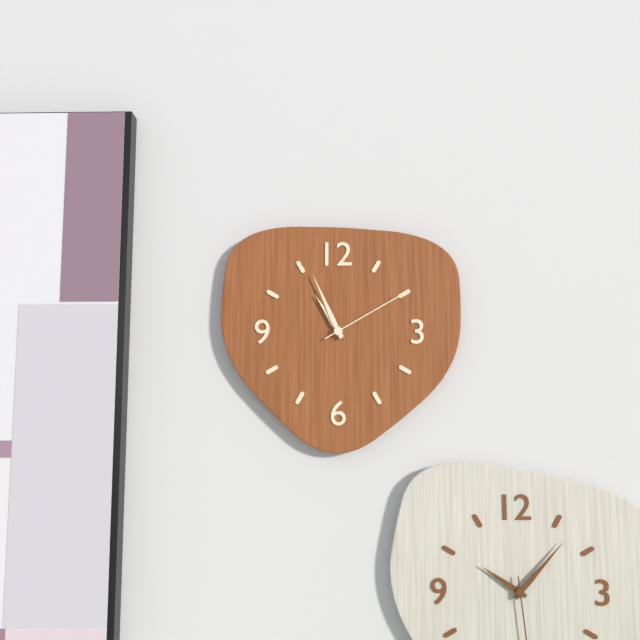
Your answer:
10 h 56 min 10 s
